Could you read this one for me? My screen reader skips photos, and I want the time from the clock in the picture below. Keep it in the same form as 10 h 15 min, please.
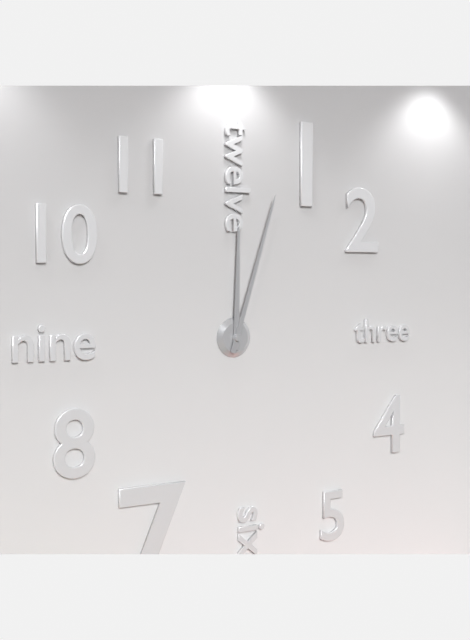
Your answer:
12 h 03 min
